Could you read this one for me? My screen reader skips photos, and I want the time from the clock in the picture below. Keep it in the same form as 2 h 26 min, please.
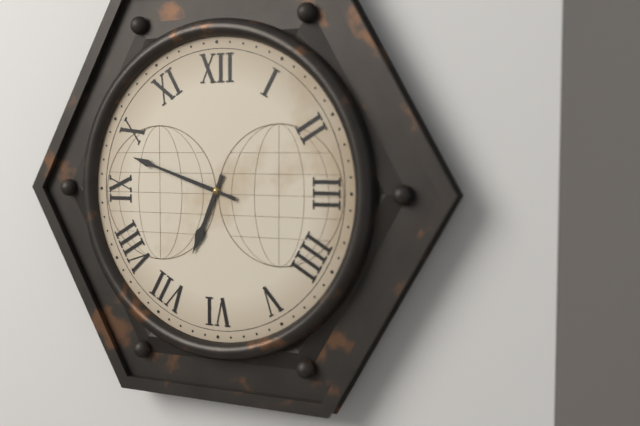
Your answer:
6 h 48 min
